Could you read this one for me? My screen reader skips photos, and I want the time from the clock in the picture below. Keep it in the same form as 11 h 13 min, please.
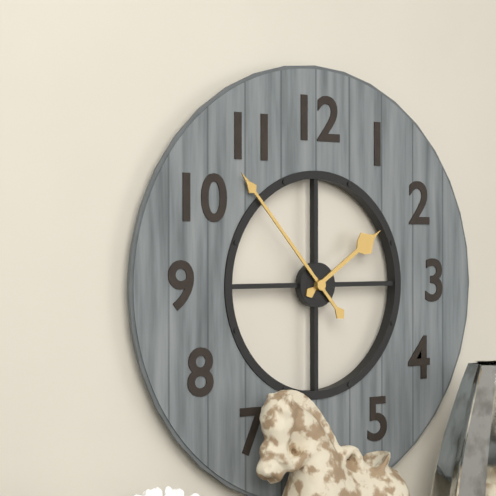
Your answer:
1 h 53 min
